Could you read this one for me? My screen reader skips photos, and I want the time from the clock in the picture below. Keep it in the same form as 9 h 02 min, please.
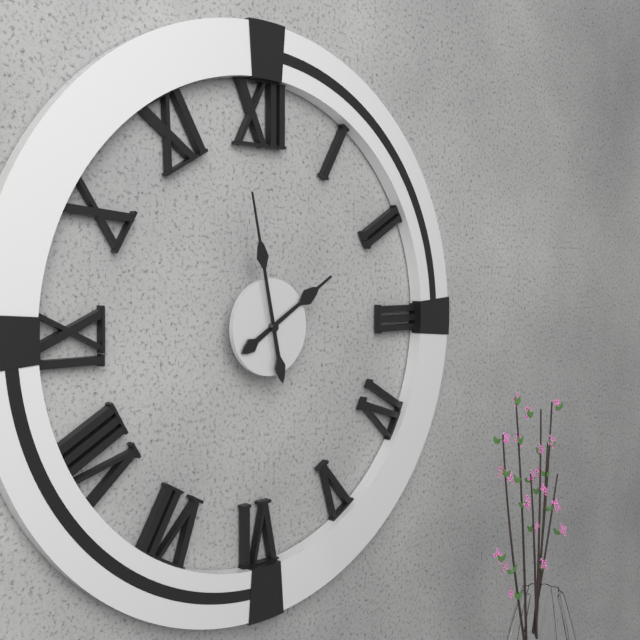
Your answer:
1 h 58 min
